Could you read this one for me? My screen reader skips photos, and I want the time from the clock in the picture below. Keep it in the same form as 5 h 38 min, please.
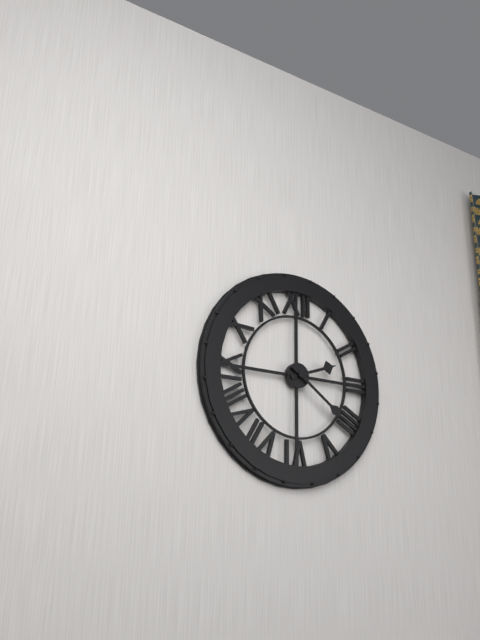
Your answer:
2 h 21 min
